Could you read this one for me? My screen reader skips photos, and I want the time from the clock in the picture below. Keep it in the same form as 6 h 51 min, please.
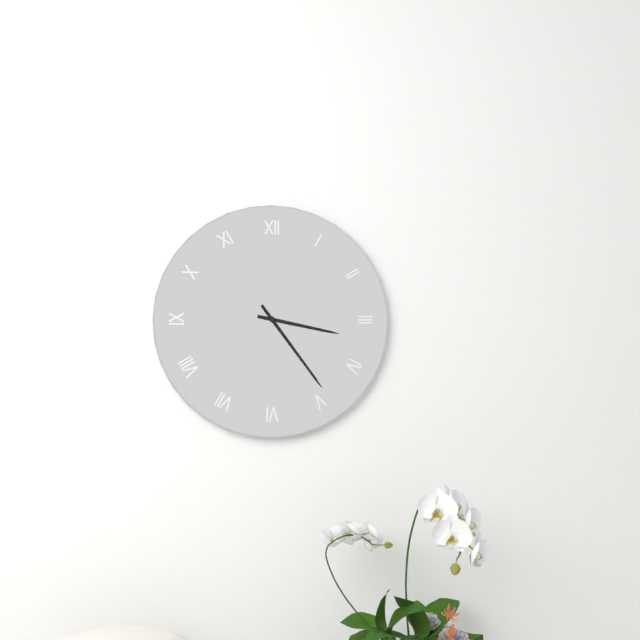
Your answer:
3 h 24 min
